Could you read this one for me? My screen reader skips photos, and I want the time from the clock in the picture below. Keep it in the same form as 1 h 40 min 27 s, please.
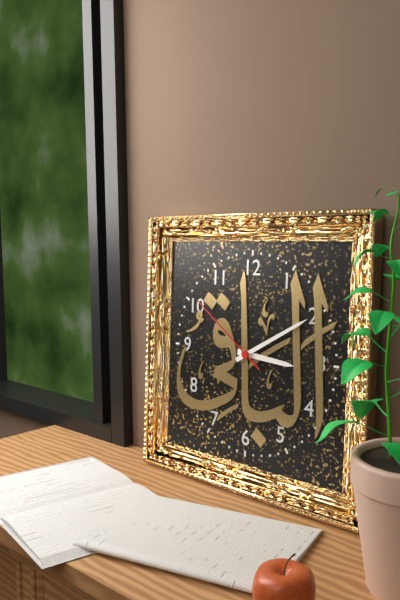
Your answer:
3 h 10 min 51 s
